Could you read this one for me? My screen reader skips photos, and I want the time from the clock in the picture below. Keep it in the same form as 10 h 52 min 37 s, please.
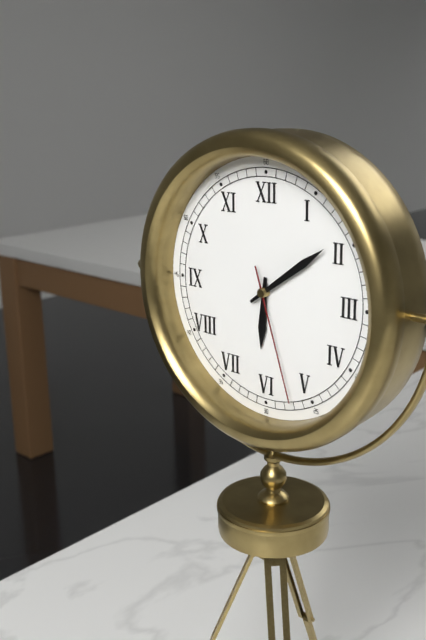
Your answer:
6 h 09 min 27 s
